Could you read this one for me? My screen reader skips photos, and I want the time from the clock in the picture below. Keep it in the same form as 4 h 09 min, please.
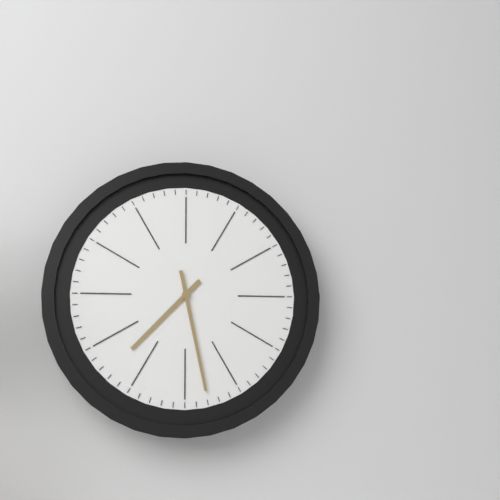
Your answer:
7 h 28 min
